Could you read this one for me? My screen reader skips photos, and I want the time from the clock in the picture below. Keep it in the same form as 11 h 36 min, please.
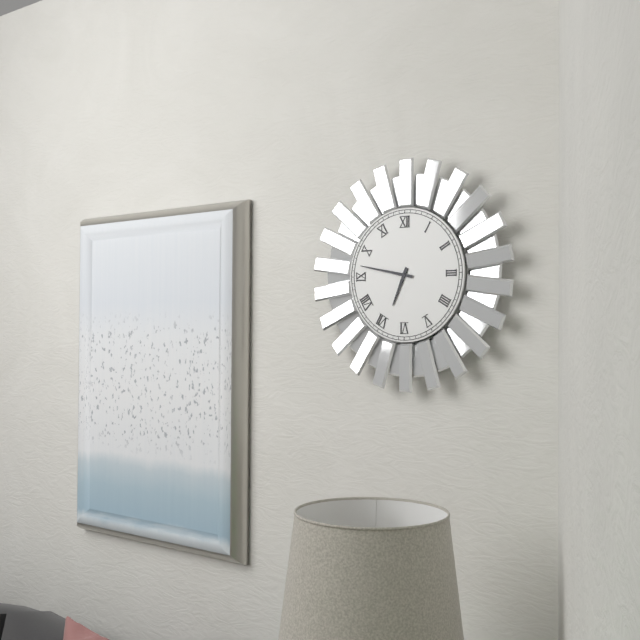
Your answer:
6 h 47 min
